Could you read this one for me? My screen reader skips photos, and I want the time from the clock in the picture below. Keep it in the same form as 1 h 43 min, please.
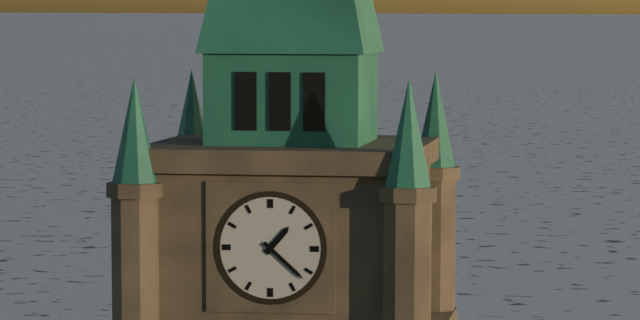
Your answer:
1 h 22 min
